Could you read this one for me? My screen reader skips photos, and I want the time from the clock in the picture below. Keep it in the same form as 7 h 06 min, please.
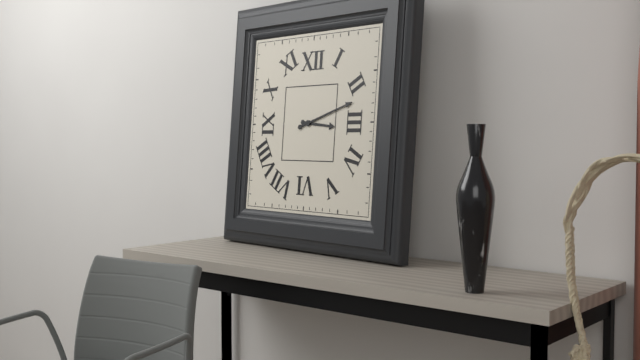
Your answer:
3 h 12 min
